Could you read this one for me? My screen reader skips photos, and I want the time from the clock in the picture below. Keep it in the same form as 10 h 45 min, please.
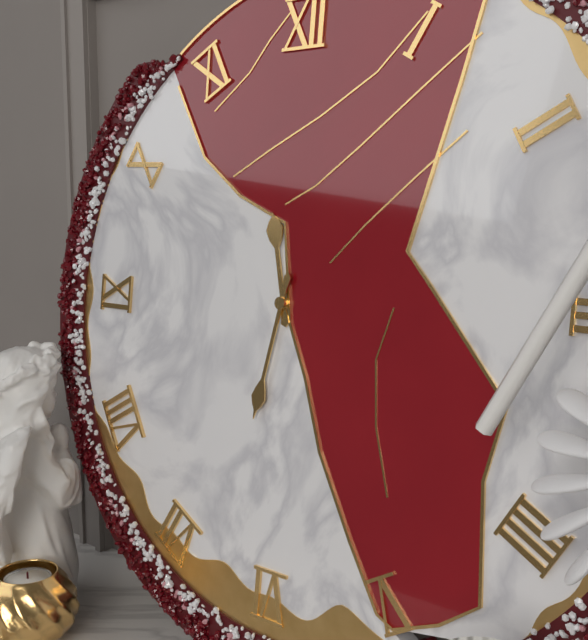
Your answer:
11 h 32 min
